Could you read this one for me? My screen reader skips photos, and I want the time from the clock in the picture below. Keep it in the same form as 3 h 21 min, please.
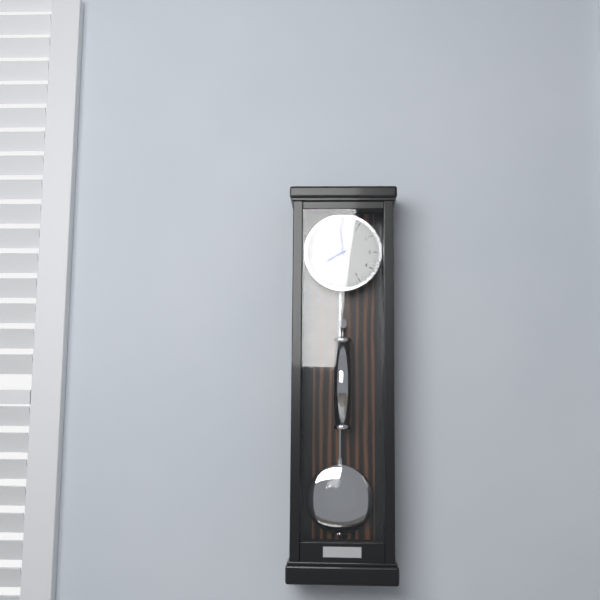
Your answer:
7 h 59 min
